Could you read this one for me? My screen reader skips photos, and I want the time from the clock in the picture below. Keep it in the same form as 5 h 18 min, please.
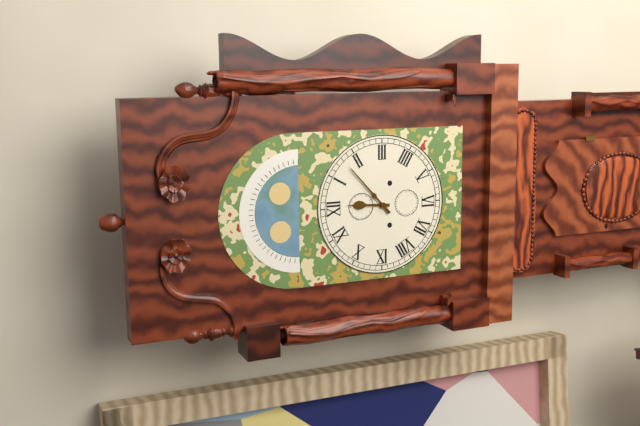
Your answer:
12 h 08 min
